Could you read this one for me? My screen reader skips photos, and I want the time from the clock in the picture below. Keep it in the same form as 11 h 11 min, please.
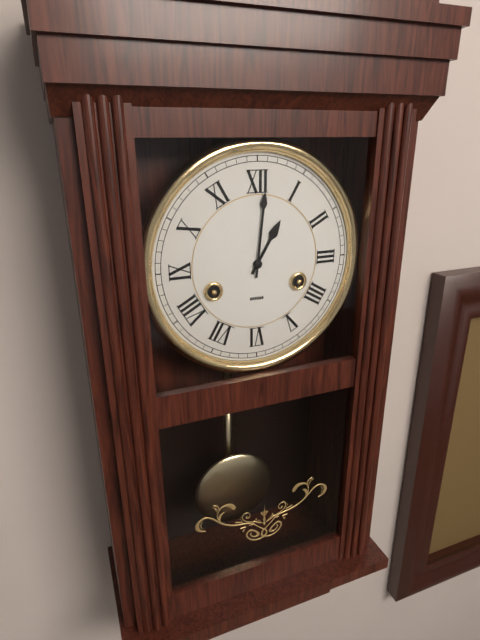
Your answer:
1 h 01 min
